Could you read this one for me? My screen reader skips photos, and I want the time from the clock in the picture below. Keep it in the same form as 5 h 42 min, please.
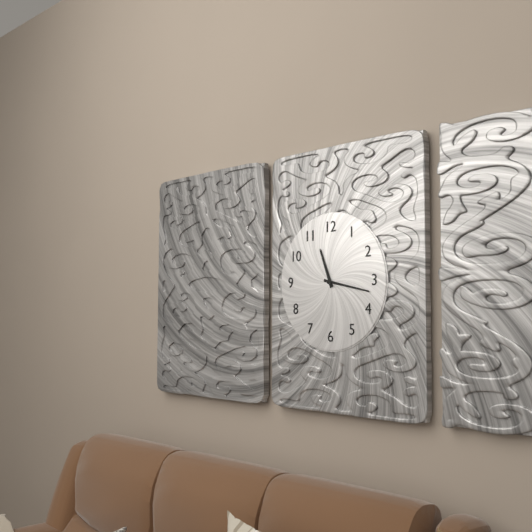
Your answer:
11 h 17 min
